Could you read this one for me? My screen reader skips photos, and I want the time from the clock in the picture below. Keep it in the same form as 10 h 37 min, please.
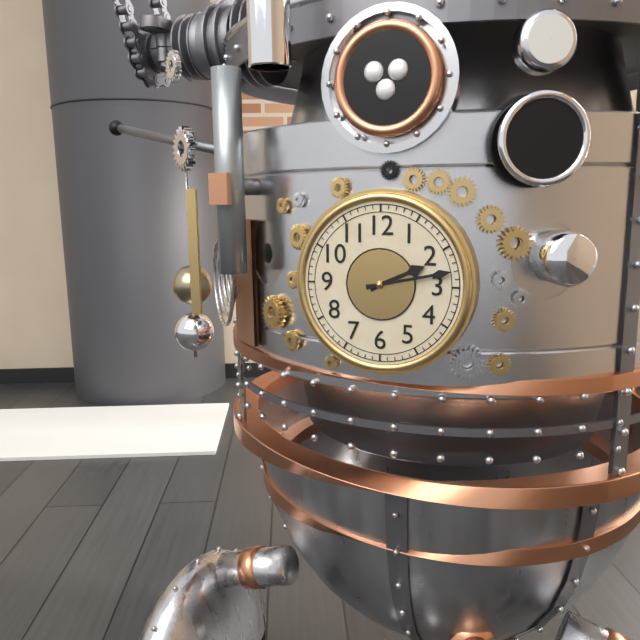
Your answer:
2 h 13 min
